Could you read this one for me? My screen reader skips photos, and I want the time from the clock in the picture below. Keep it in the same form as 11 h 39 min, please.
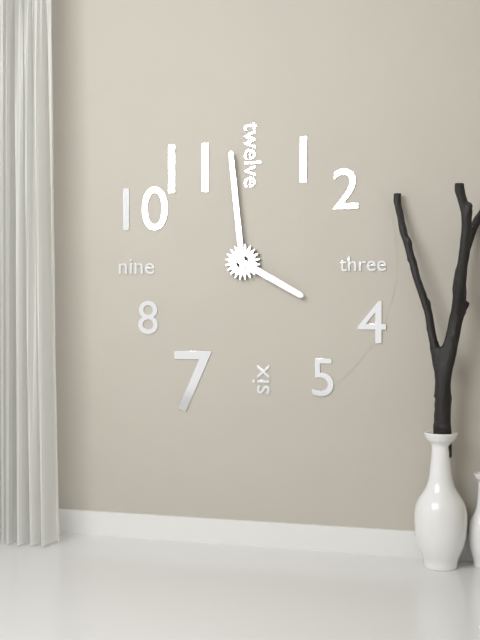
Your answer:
3 h 59 min
